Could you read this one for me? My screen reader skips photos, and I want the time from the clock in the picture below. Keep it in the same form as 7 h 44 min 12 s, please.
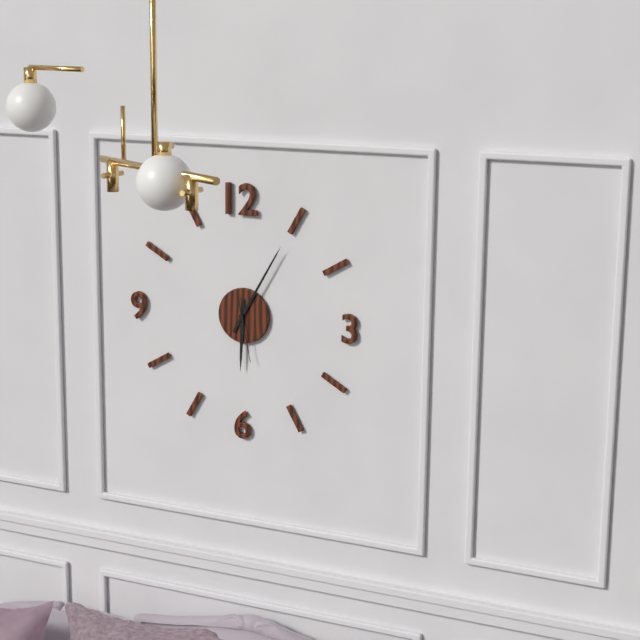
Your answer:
6 h 05 min 28 s
